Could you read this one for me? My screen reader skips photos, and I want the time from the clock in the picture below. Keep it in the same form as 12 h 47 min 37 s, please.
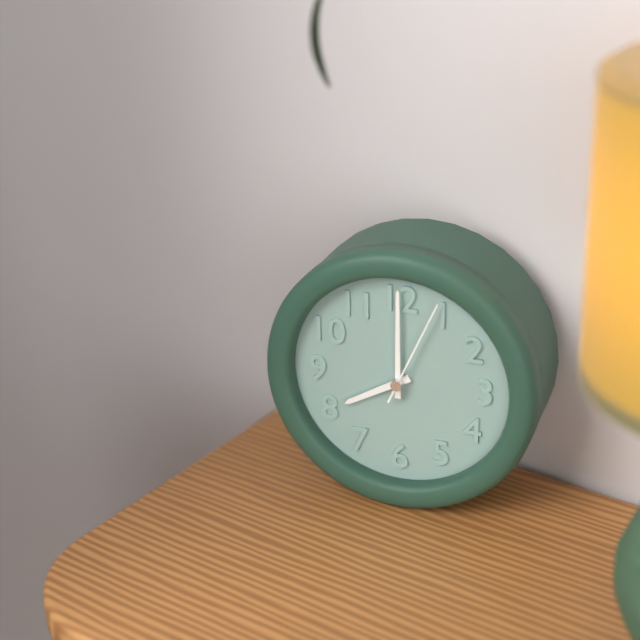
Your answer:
8 h 00 min 04 s
